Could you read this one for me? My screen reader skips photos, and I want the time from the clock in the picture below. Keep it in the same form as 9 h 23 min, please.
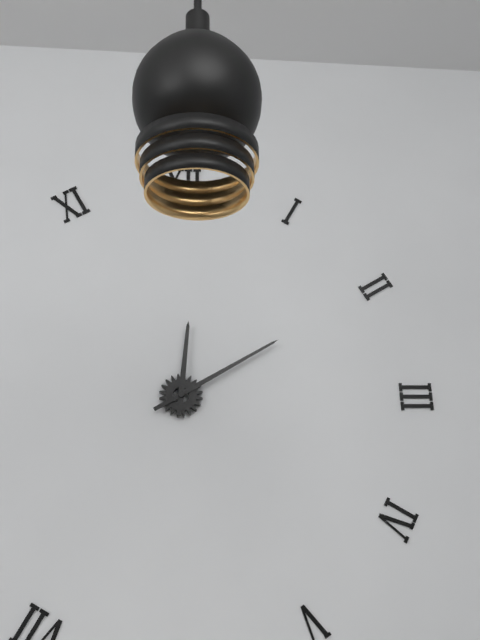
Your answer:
12 h 10 min
